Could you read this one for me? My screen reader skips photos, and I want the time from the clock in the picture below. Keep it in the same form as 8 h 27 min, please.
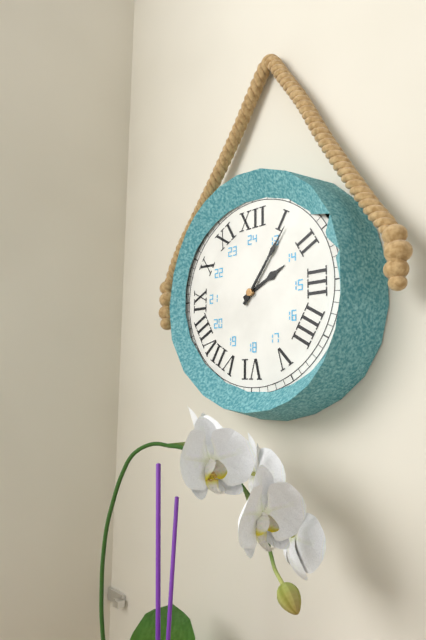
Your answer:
2 h 06 min
